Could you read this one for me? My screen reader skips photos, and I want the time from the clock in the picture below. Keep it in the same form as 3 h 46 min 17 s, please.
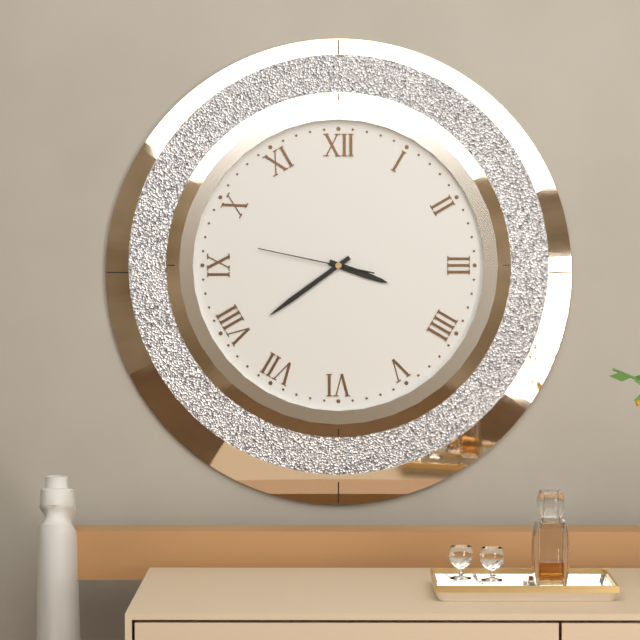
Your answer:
3 h 39 min 47 s
